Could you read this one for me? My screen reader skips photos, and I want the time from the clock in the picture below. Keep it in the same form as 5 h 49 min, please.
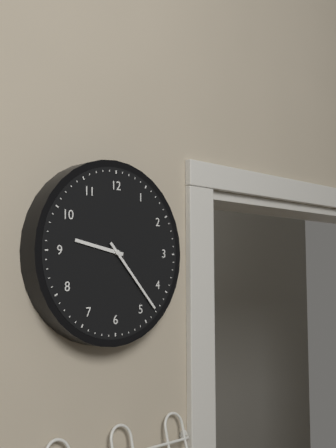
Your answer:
9 h 23 min
